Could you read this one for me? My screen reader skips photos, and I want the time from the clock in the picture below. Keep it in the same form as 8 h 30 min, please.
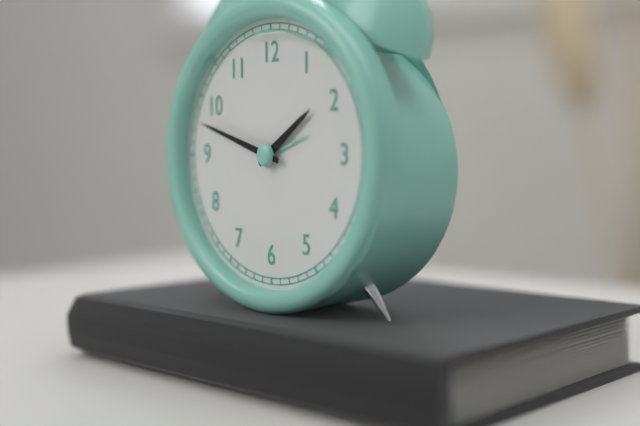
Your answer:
1 h 48 min
